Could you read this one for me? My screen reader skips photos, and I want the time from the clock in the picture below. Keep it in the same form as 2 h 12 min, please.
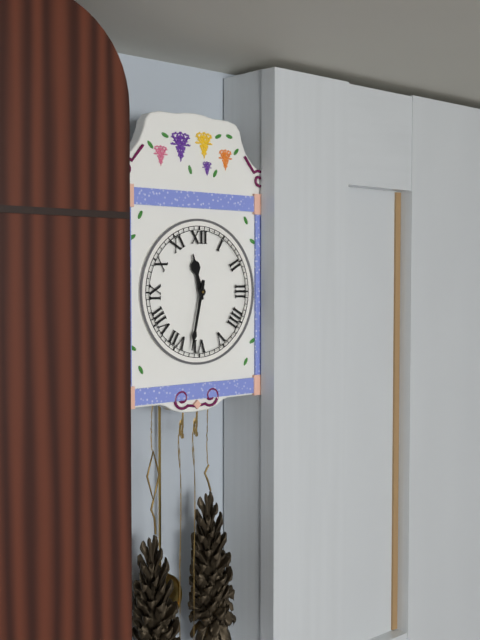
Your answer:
11 h 32 min
